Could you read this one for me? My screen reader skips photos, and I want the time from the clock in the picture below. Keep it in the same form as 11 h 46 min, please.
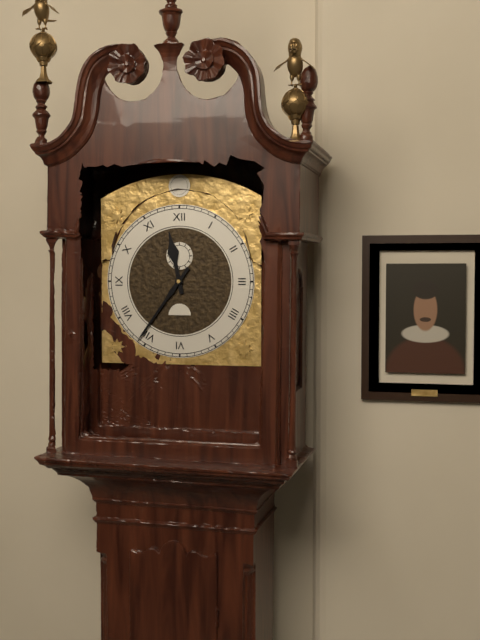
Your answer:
11 h 36 min
